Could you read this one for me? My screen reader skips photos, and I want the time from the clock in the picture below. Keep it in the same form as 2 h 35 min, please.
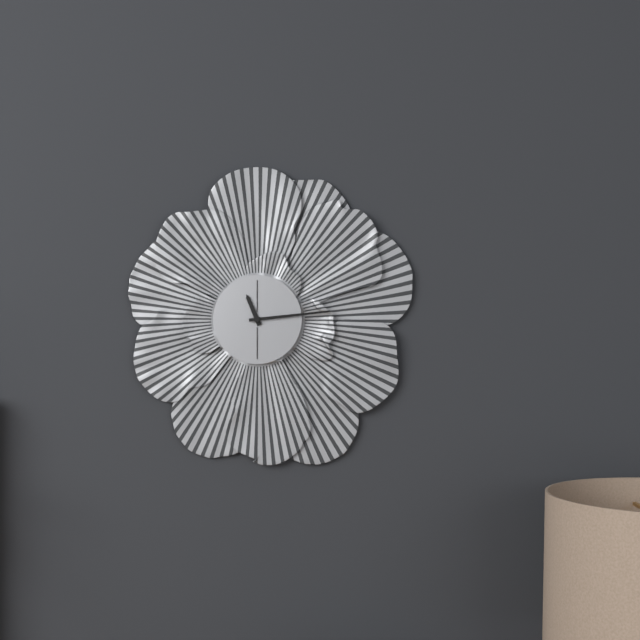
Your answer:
11 h 14 min
